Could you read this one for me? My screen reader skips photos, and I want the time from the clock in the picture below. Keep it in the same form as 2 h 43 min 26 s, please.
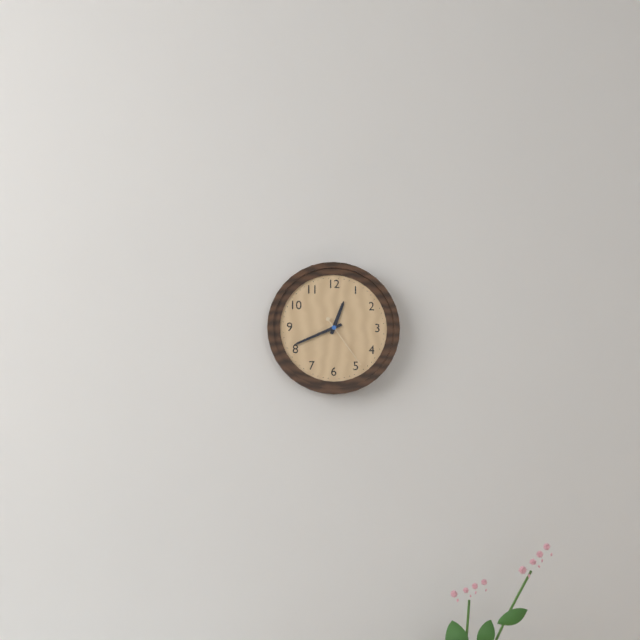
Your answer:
12 h 41 min 24 s
